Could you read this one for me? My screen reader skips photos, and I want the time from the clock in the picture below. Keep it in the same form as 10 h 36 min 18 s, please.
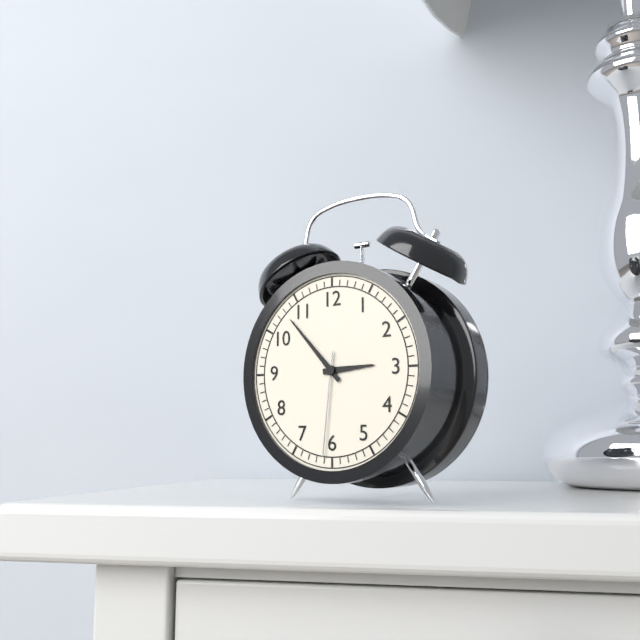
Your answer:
2 h 53 min 31 s
